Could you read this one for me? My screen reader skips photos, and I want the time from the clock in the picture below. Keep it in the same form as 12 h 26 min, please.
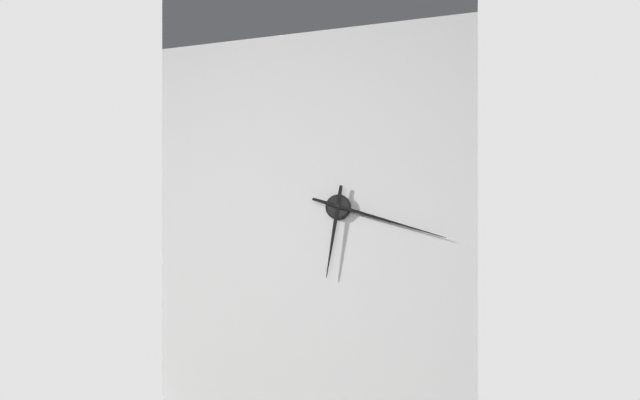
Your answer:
6 h 18 min
